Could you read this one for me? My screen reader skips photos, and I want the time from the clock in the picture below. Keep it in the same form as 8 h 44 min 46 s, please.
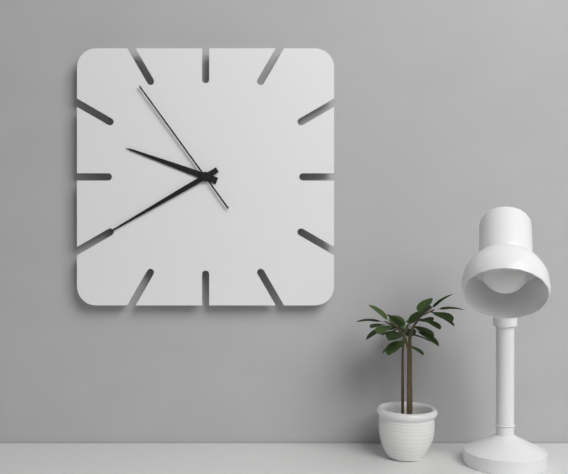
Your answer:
9 h 40 min 54 s
